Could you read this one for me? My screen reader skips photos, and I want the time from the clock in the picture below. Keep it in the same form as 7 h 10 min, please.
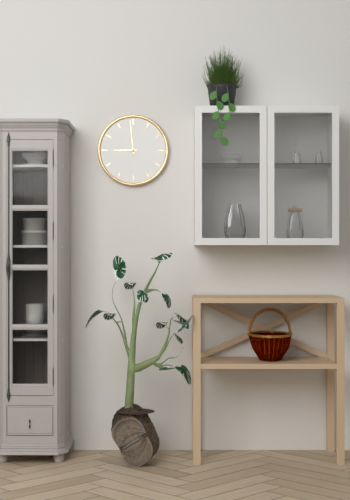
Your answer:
8 h 59 min
